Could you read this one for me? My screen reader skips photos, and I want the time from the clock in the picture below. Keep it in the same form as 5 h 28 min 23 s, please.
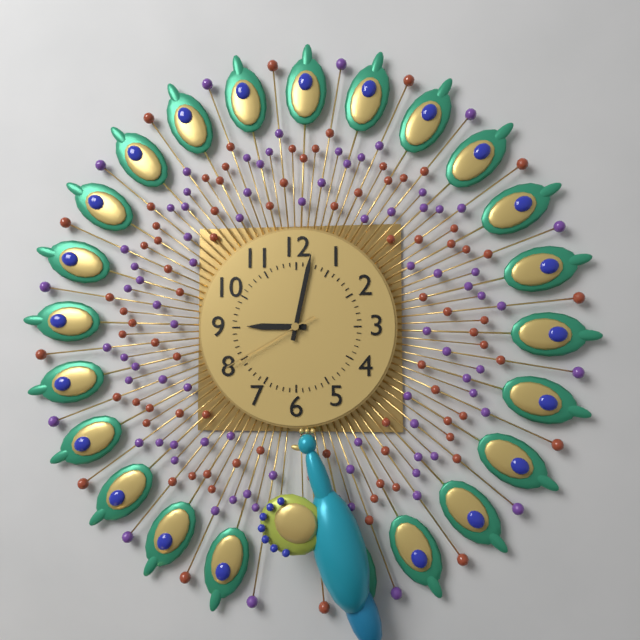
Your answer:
9 h 02 min 40 s
